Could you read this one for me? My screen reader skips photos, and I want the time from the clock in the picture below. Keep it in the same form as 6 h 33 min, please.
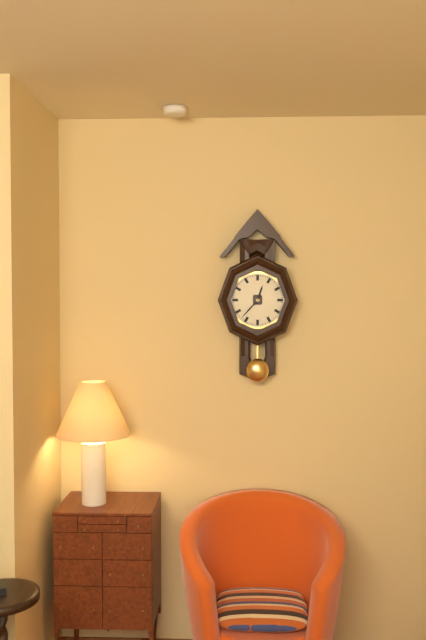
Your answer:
12 h 37 min
